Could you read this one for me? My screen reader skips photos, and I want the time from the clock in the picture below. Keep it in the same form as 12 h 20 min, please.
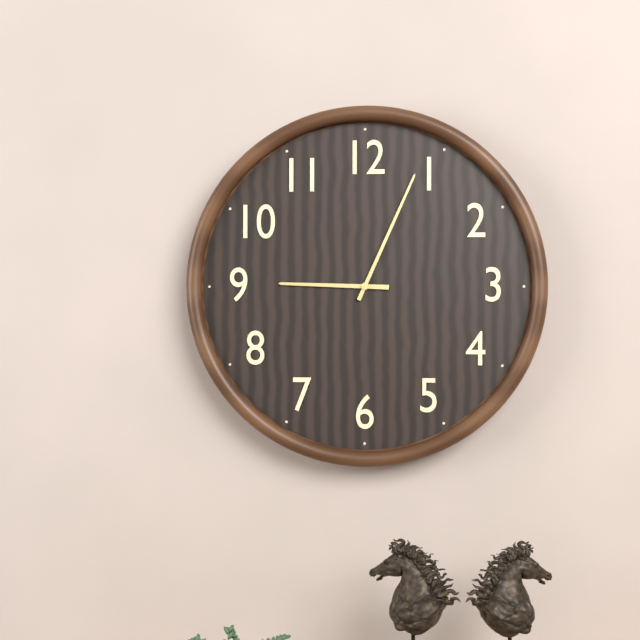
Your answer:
9 h 04 min
